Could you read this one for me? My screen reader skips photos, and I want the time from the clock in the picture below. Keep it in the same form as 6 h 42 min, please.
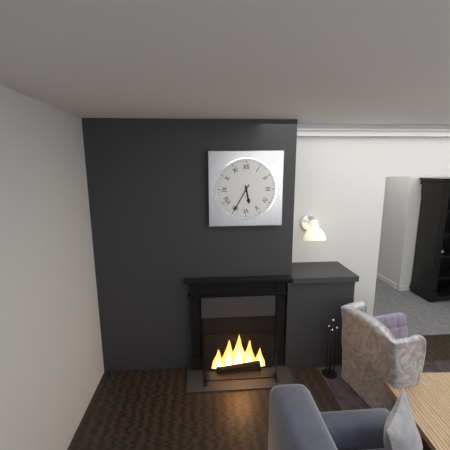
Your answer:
5 h 35 min
